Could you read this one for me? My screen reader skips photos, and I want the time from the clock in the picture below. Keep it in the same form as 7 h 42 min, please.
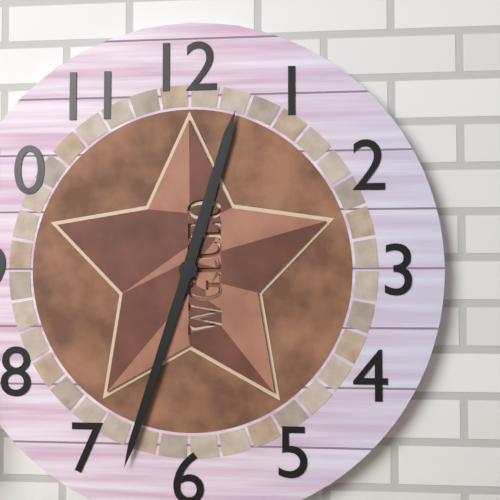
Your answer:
12 h 33 min
